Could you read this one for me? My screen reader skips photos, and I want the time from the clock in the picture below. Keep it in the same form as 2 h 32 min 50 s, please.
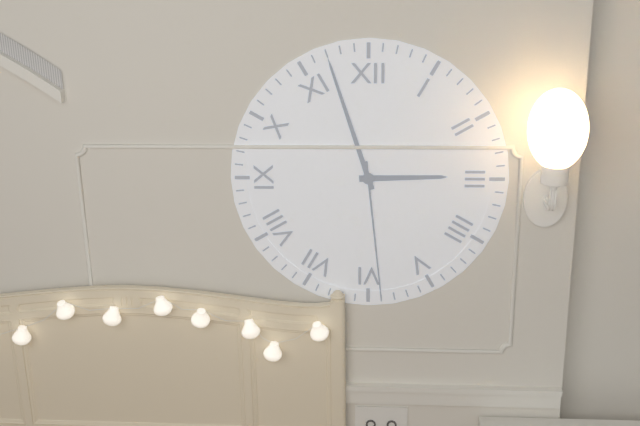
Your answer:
2 h 57 min 29 s
